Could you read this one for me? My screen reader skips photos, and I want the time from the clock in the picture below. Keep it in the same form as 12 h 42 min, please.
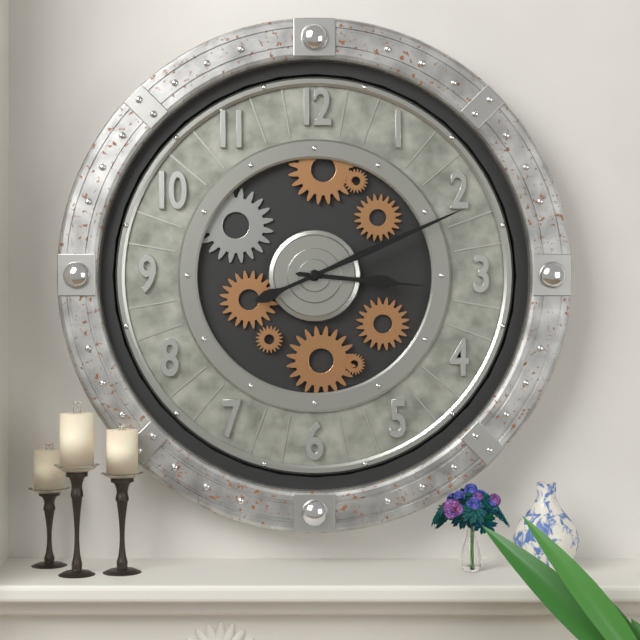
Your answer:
3 h 11 min
